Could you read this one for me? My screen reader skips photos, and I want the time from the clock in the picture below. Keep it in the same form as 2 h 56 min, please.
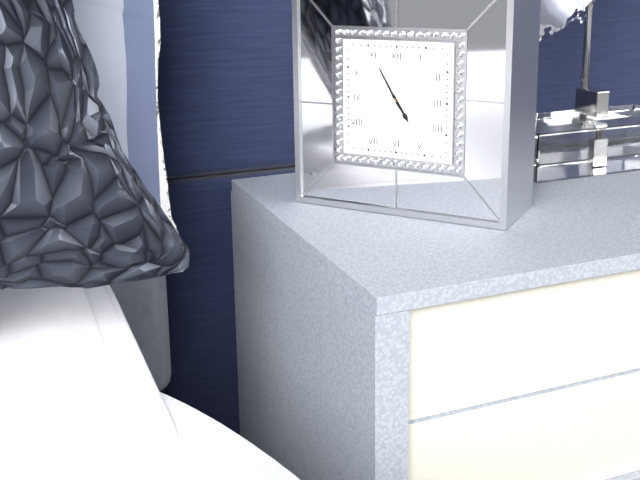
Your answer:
4 h 55 min
